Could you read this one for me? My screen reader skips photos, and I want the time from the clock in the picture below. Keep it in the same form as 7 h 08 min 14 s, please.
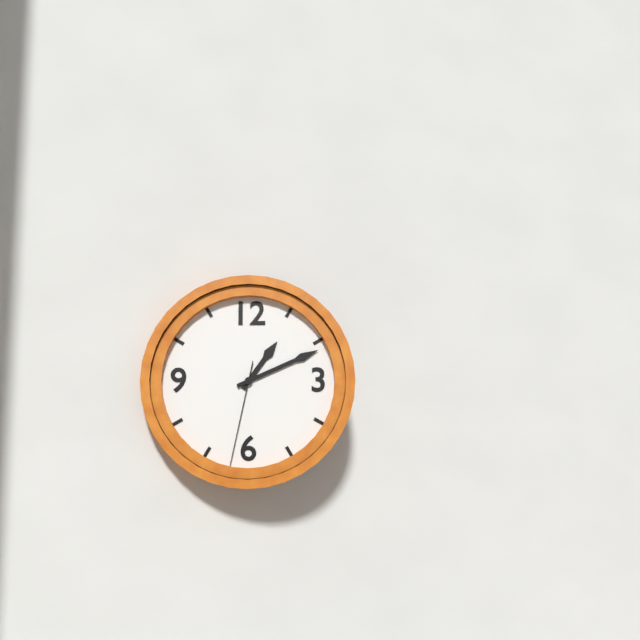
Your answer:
1 h 11 min 32 s
